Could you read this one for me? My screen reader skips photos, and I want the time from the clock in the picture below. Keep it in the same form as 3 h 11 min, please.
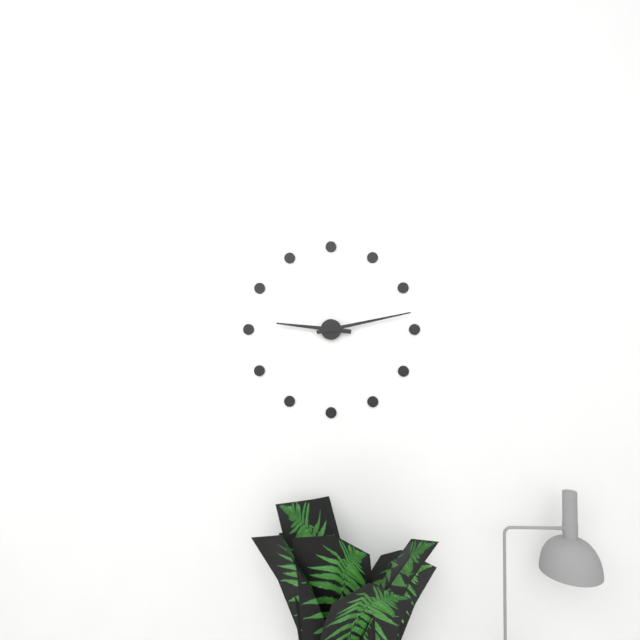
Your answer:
9 h 13 min
